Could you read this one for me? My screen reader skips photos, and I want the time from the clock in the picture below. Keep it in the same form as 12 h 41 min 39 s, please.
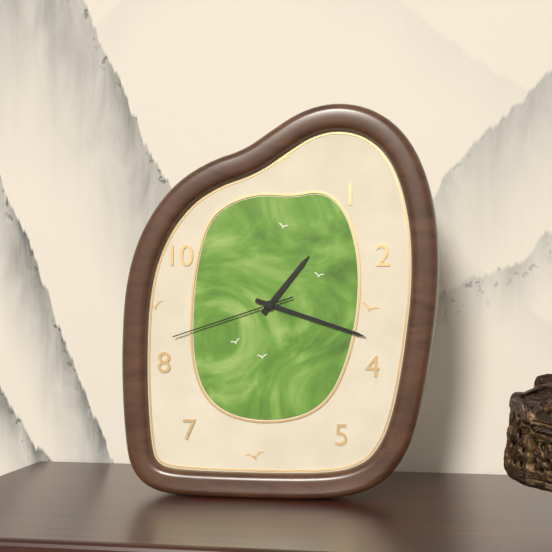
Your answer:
1 h 18 min 42 s
